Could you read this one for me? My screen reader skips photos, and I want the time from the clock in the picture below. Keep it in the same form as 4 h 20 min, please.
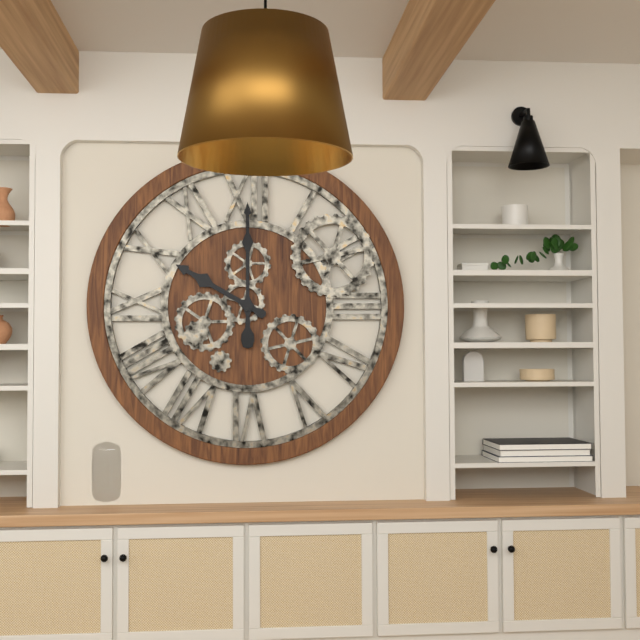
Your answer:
10 h 00 min
